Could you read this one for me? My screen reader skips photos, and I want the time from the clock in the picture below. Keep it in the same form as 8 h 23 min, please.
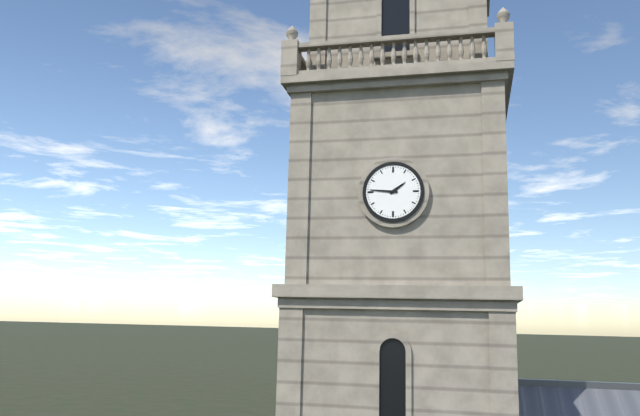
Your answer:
1 h 46 min
